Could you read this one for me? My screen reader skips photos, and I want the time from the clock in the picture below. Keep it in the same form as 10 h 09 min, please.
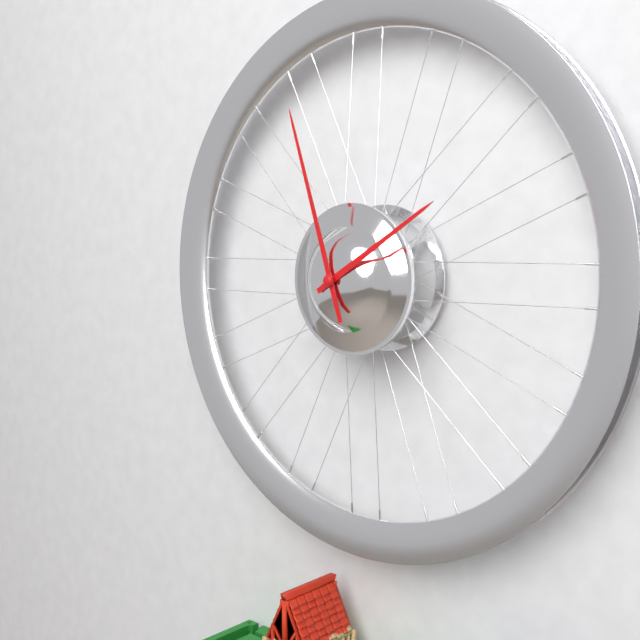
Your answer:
1 h 57 min
